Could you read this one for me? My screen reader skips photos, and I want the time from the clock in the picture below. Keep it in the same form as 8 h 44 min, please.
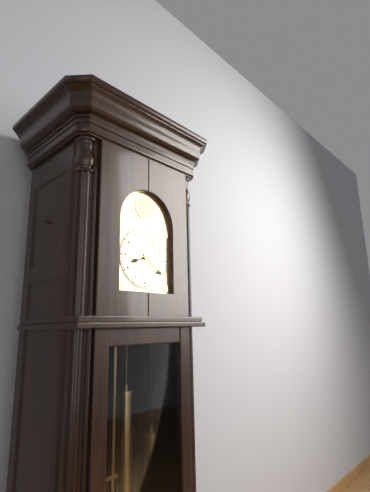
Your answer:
8 h 21 min
